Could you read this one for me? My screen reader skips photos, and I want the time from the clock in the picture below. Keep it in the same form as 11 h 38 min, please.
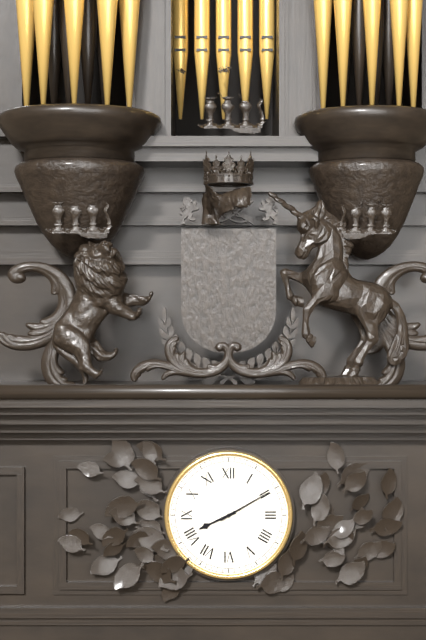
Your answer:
8 h 10 min
